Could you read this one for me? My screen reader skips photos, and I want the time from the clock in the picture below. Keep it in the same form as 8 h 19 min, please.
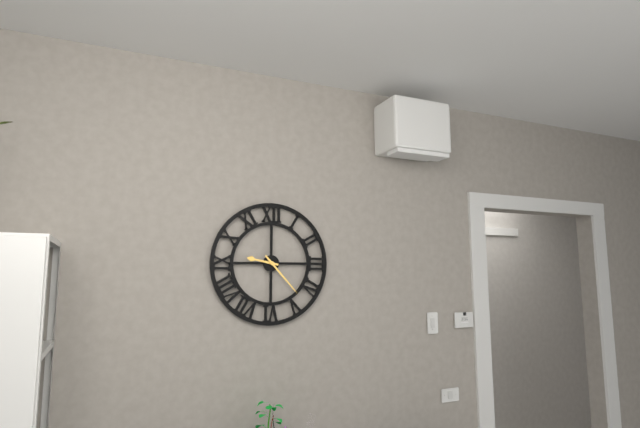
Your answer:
9 h 23 min
